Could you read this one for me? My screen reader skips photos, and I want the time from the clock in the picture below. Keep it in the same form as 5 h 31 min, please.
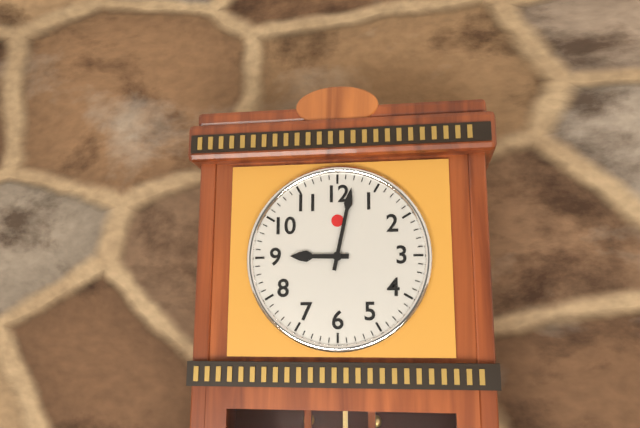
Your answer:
9 h 02 min
